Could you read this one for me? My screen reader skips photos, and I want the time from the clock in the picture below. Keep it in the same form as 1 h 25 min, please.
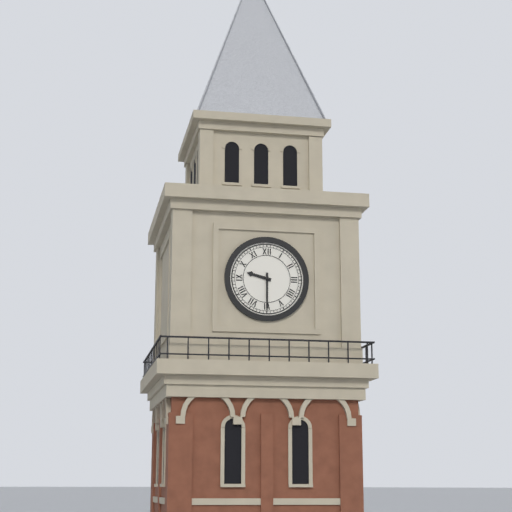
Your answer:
9 h 30 min
